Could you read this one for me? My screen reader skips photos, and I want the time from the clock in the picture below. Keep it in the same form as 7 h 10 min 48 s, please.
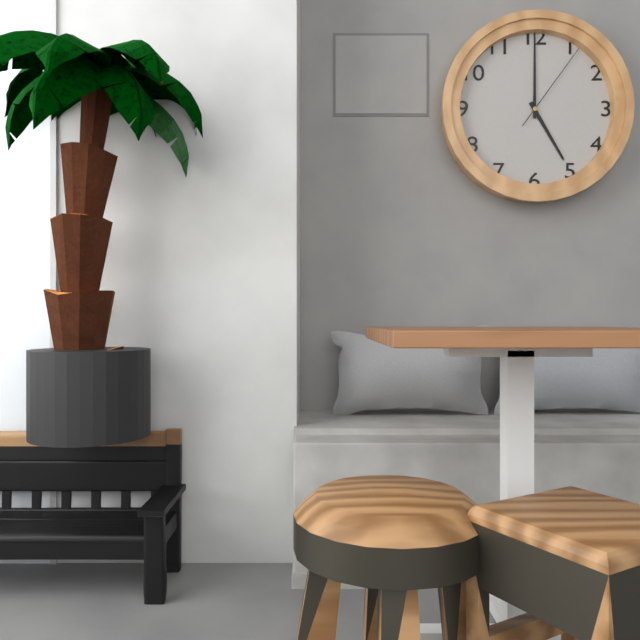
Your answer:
5 h 00 min 06 s
